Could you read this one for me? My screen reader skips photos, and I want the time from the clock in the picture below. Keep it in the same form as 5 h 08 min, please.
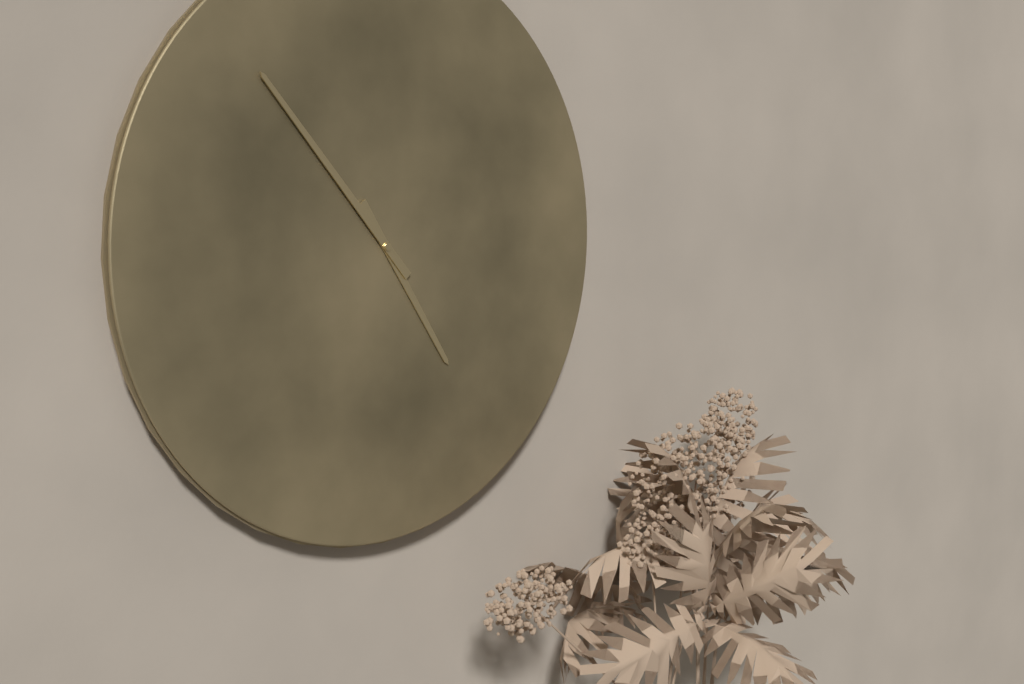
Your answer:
4 h 53 min
